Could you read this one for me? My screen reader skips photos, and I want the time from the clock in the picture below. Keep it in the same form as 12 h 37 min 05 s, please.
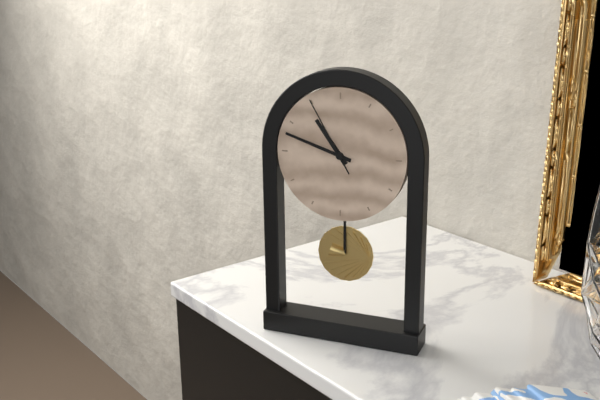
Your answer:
10 h 48 min 55 s
